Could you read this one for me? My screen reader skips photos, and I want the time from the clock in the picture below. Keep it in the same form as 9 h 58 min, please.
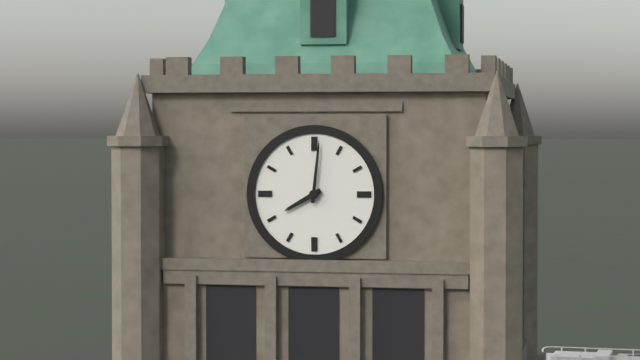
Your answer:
8 h 01 min
